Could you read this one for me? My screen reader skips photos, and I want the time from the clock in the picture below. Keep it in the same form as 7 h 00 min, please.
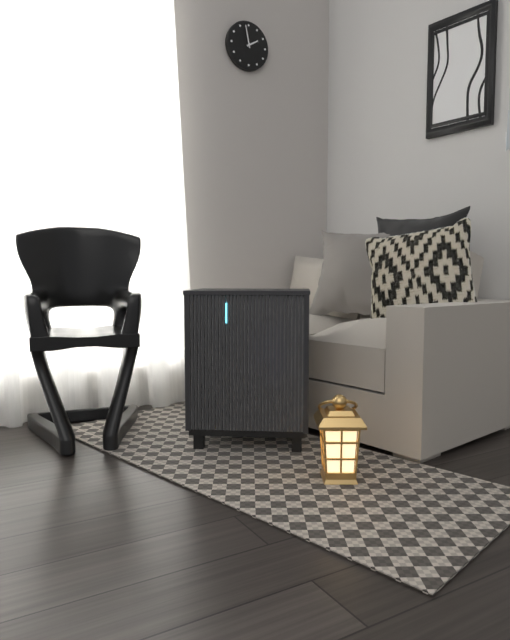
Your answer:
1 h 58 min
